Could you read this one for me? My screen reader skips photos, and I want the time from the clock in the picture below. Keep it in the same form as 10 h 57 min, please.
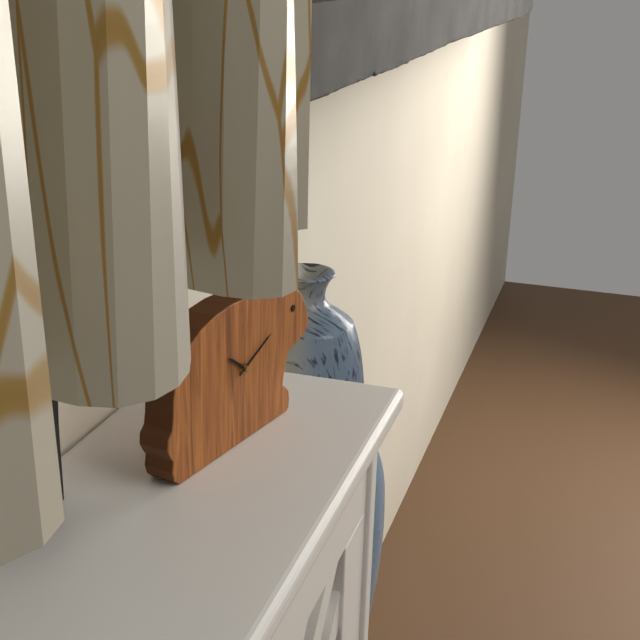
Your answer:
10 h 11 min
